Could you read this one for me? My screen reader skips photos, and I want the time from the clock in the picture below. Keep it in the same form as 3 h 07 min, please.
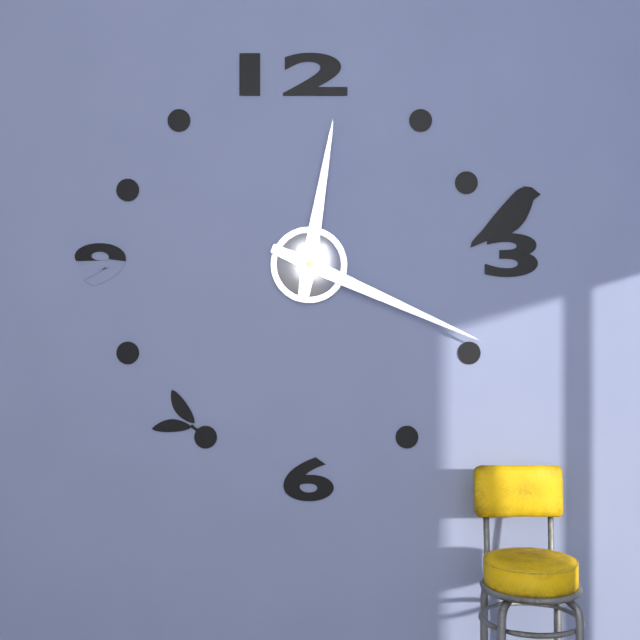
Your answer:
12 h 19 min
